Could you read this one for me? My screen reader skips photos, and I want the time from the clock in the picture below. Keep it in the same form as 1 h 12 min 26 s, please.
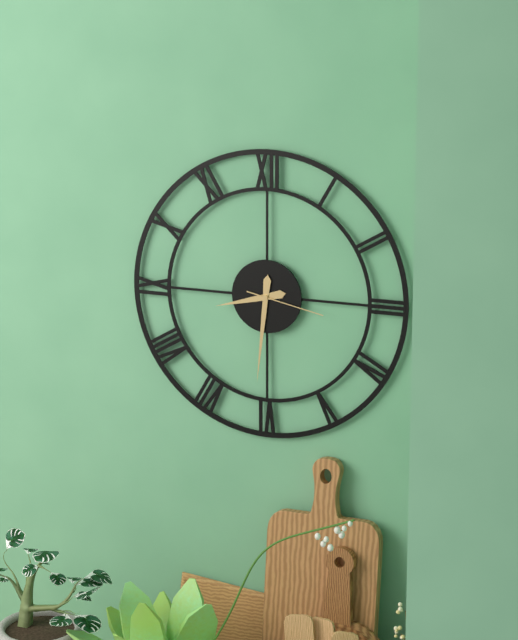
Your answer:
8 h 31 min 17 s
